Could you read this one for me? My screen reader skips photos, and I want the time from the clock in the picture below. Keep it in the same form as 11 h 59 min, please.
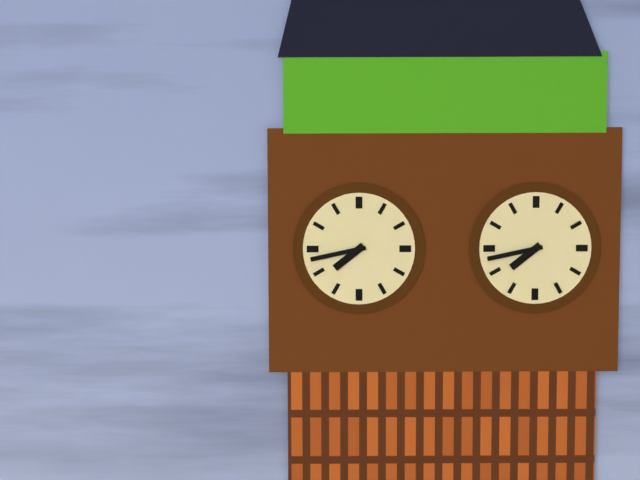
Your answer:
7 h 43 min
